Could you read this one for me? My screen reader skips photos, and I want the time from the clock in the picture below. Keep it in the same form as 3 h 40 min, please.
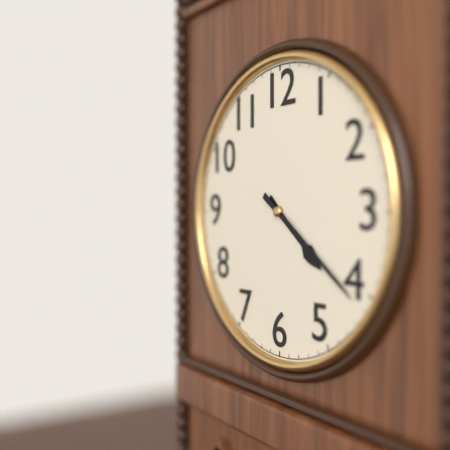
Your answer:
4 h 21 min
